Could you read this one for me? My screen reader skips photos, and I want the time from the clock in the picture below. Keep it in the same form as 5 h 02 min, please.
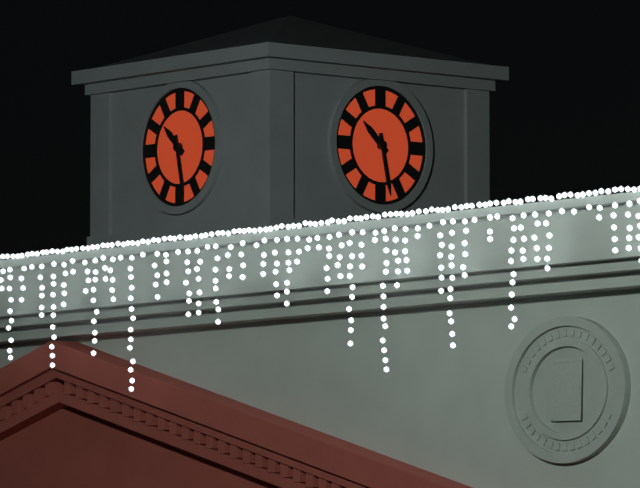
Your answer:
10 h 28 min
